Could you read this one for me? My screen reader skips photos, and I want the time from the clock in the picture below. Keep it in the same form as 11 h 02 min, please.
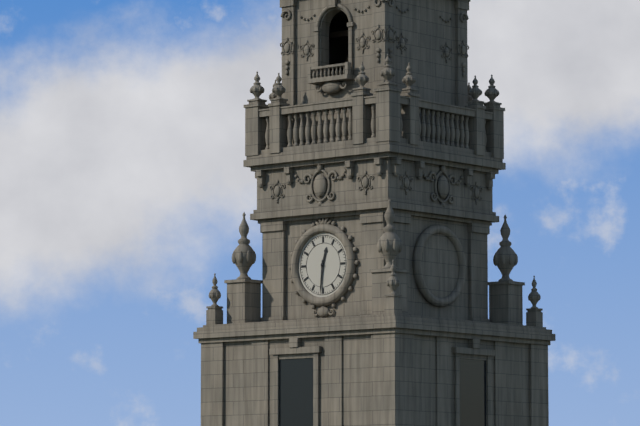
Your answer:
12 h 31 min
